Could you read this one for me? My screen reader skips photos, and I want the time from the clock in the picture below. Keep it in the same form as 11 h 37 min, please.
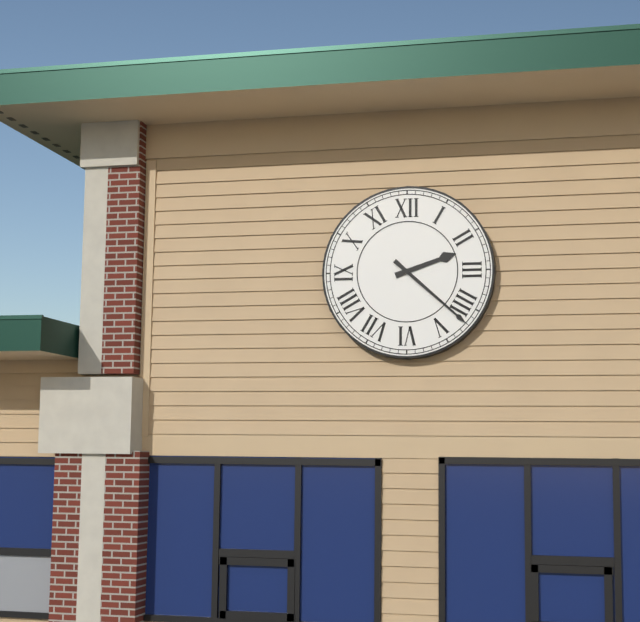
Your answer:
2 h 22 min
